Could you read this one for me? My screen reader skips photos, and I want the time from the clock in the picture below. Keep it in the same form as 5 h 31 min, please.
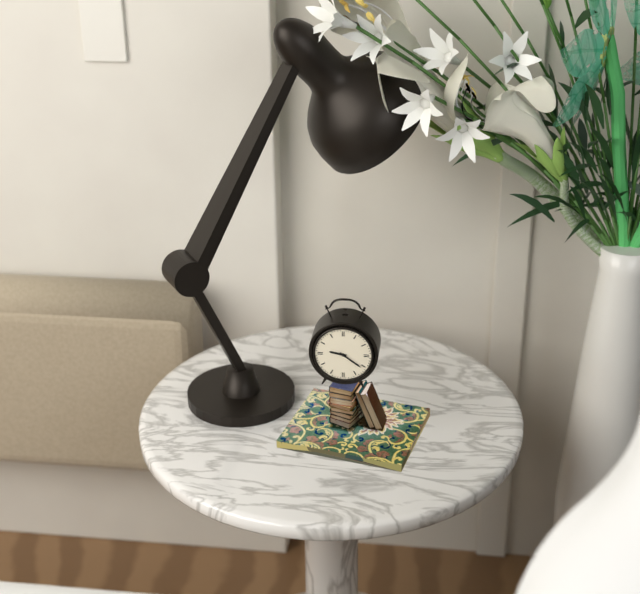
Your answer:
9 h 21 min
